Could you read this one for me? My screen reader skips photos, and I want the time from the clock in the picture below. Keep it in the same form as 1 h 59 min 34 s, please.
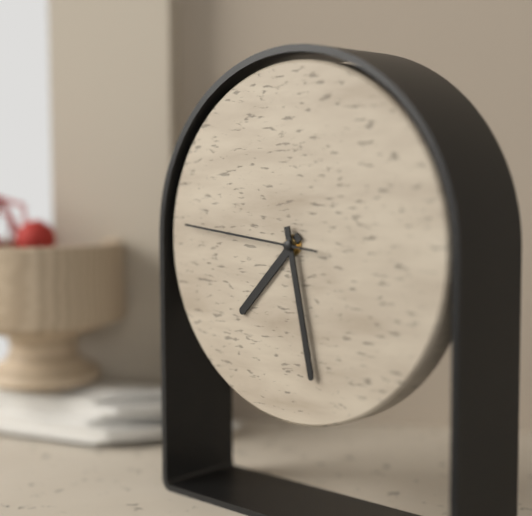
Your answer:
7 h 28 min 46 s
